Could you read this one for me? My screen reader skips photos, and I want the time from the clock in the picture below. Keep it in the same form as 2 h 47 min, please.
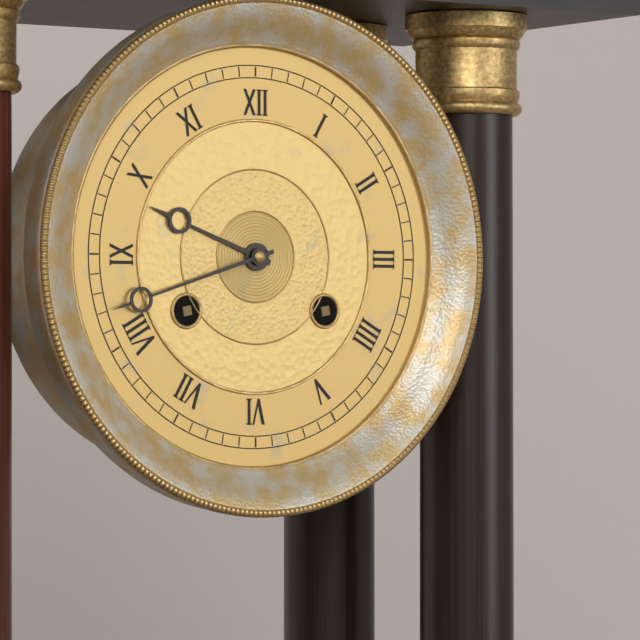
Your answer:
9 h 42 min
